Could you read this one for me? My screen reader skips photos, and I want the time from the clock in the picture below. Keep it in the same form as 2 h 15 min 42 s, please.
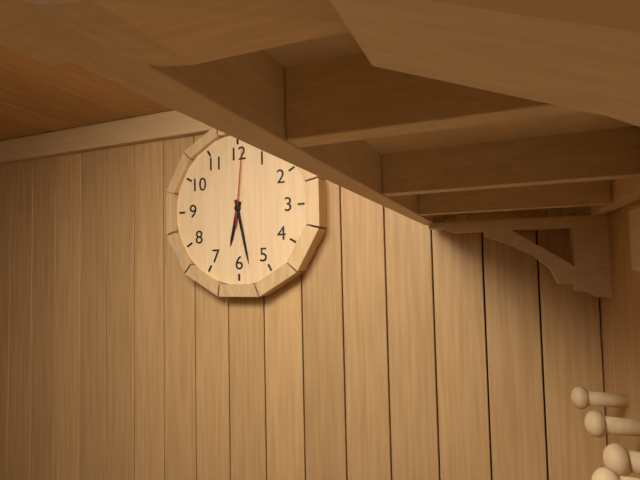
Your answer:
6 h 28 min 01 s
